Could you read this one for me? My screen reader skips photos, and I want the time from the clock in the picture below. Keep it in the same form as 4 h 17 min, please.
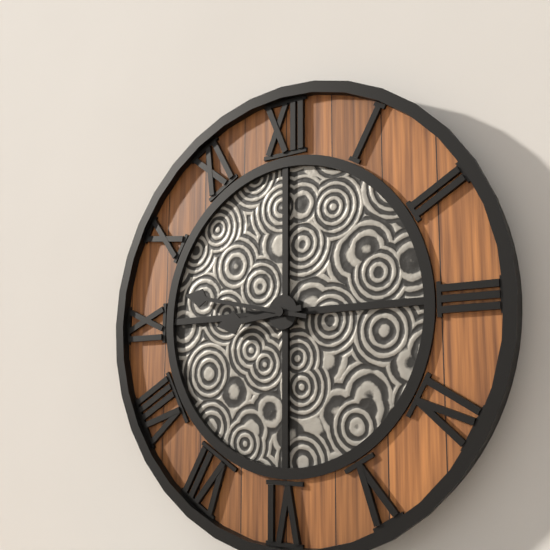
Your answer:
8 h 47 min
